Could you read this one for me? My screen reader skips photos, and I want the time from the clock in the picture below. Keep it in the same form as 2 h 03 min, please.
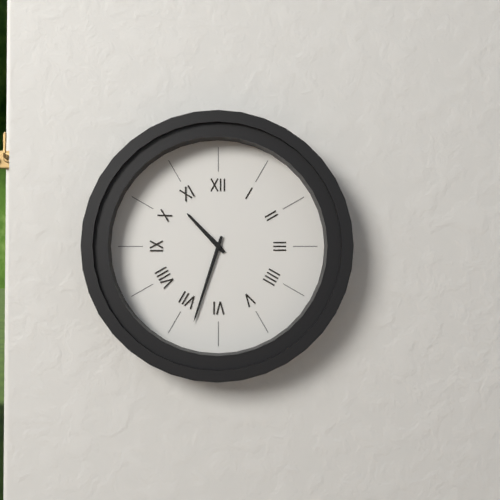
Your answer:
10 h 33 min
